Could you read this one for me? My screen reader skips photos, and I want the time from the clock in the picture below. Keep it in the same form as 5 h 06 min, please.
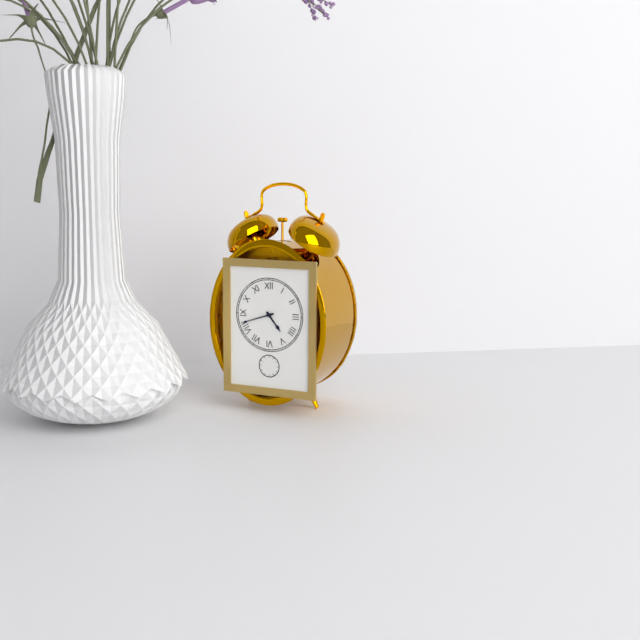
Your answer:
4 h 42 min
